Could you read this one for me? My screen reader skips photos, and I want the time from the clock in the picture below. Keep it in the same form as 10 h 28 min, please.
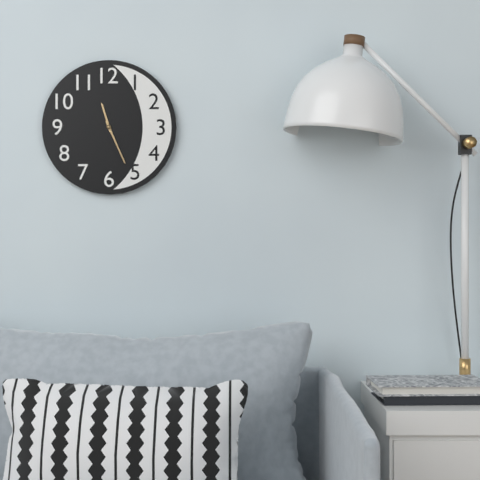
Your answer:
11 h 26 min
